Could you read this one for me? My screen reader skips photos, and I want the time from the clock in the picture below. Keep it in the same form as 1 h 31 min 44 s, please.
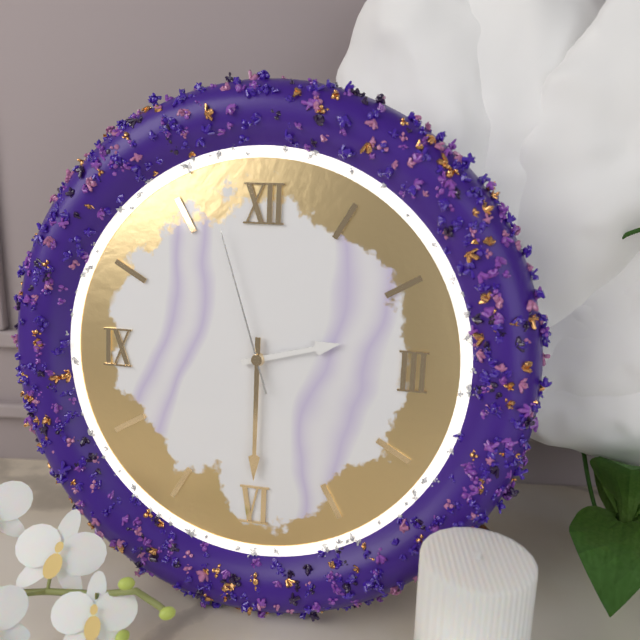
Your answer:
2 h 30 min 57 s
